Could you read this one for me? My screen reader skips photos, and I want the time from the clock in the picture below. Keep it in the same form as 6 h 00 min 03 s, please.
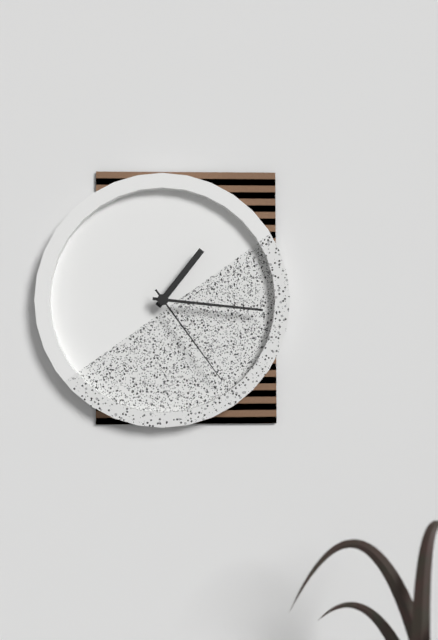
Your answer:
1 h 16 min 24 s
